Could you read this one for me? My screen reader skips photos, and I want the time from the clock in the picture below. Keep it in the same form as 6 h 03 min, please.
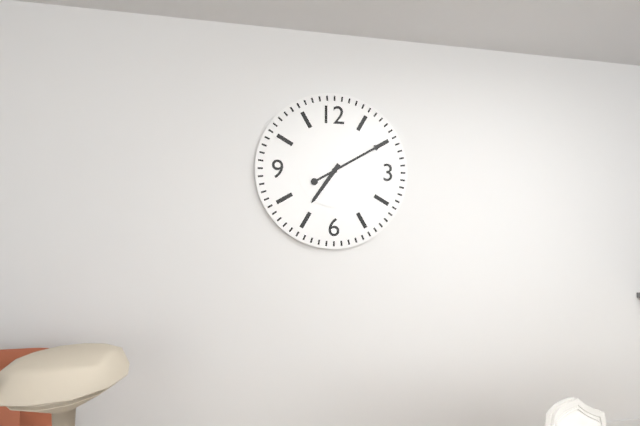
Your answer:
7 h 10 min
